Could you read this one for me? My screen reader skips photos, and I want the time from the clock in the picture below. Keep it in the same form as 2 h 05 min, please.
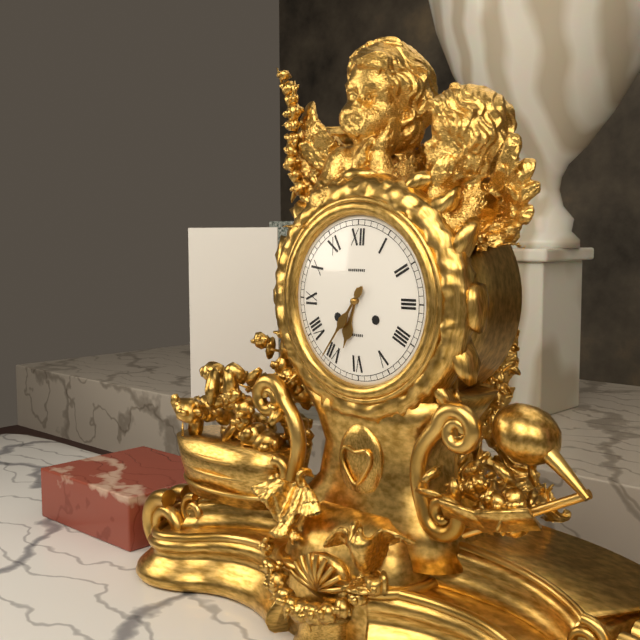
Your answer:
6 h 36 min
